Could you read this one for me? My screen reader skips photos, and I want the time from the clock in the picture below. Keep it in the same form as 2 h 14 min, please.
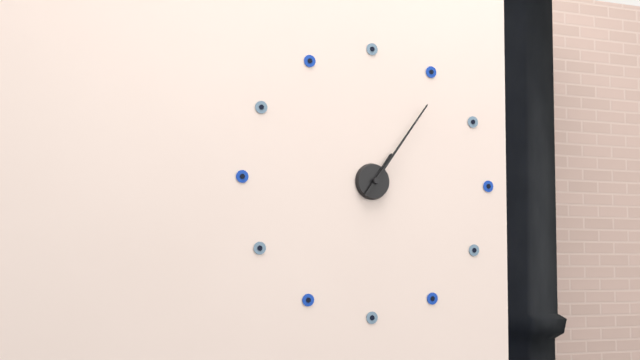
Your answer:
1 h 06 min
